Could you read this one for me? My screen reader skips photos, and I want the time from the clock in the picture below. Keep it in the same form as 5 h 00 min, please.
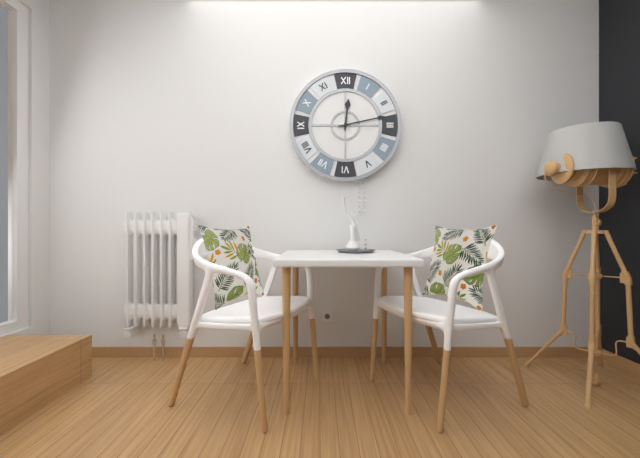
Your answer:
12 h 13 min
